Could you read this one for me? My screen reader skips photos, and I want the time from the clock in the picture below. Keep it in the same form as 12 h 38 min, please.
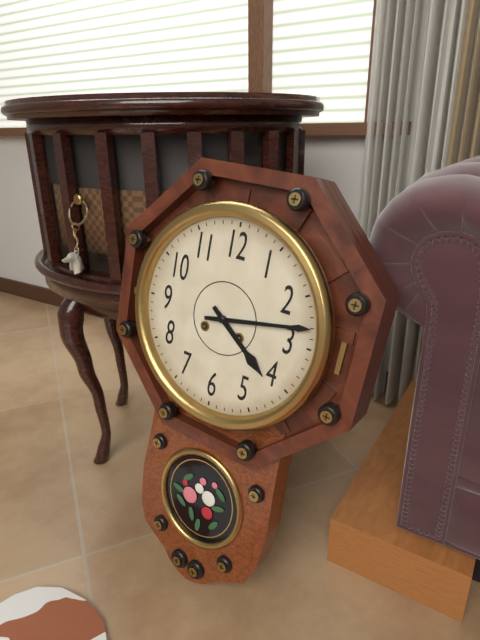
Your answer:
4 h 13 min
